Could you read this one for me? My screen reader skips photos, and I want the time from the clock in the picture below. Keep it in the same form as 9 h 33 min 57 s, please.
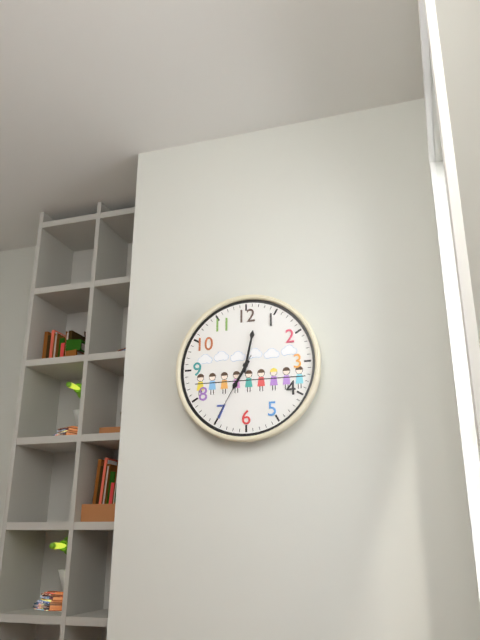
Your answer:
7 h 02 min 35 s
